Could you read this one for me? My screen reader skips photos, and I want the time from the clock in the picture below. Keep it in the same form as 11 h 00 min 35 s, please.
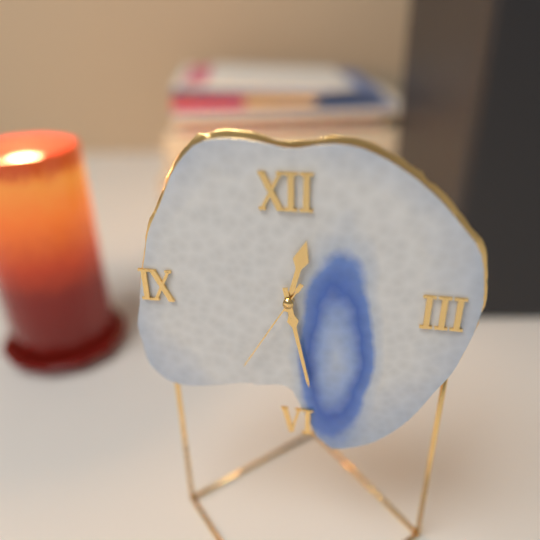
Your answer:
12 h 28 min 35 s
